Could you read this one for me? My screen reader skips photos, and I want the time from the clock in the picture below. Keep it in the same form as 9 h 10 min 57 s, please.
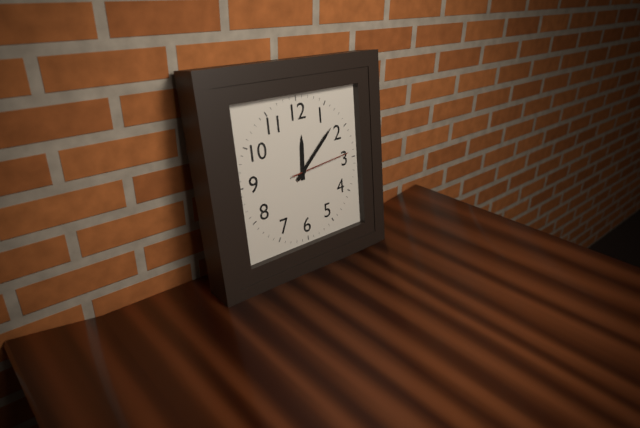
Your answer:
12 h 08 min 14 s
